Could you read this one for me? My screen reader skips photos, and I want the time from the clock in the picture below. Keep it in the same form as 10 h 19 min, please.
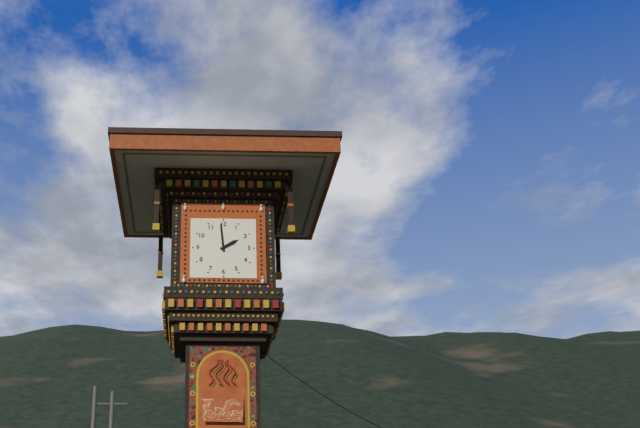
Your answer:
1 h 59 min
